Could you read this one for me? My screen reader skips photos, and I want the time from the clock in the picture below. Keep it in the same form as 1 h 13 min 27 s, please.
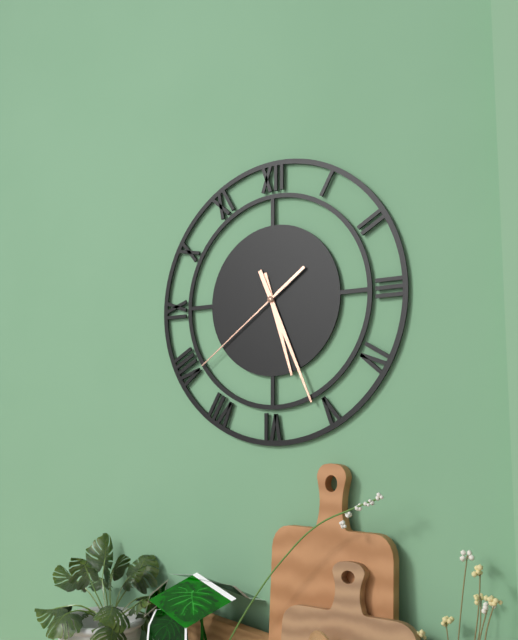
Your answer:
5 h 26 min 39 s
